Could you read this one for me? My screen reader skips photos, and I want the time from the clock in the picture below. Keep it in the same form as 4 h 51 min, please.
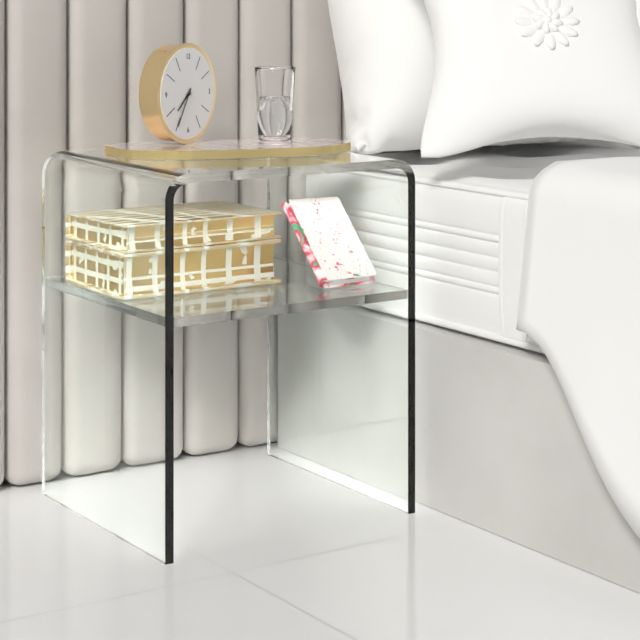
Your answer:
7 h 35 min
